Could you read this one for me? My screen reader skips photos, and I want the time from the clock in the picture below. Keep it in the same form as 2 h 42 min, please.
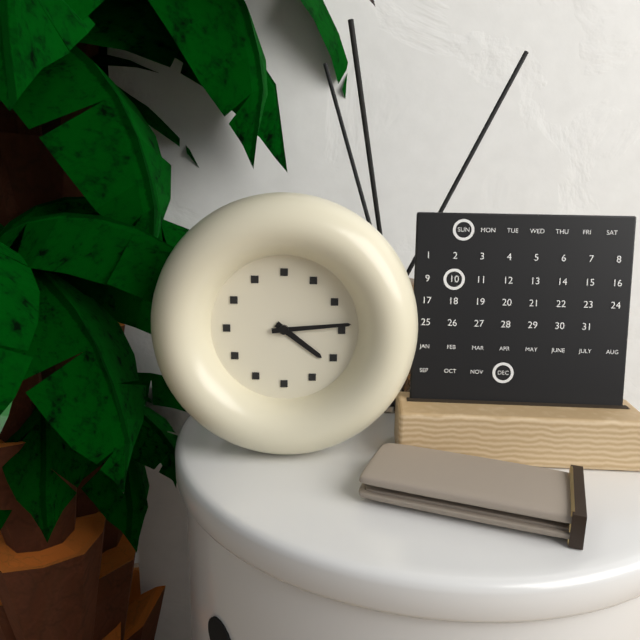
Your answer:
4 h 14 min
